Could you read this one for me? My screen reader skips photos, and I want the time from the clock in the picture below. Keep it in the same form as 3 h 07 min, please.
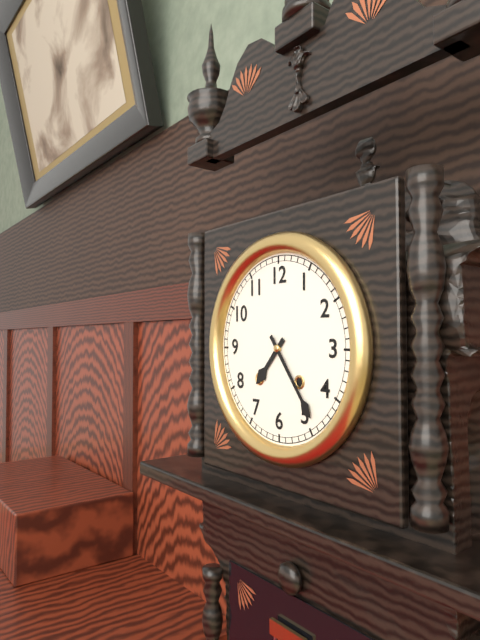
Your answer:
7 h 24 min
